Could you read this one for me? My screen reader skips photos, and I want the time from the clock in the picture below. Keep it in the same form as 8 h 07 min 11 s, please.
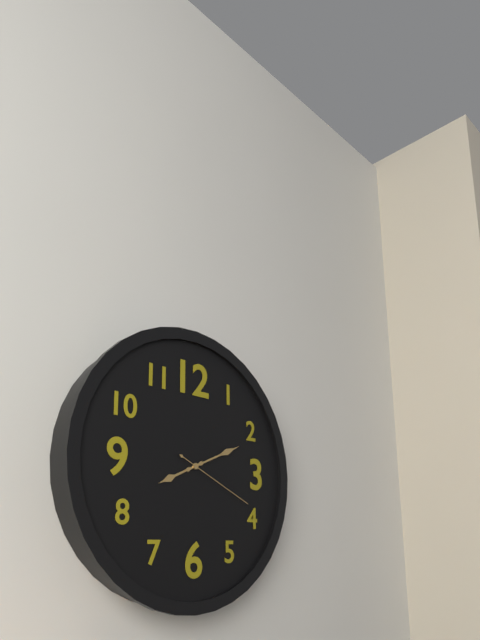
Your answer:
8 h 11 min 19 s
